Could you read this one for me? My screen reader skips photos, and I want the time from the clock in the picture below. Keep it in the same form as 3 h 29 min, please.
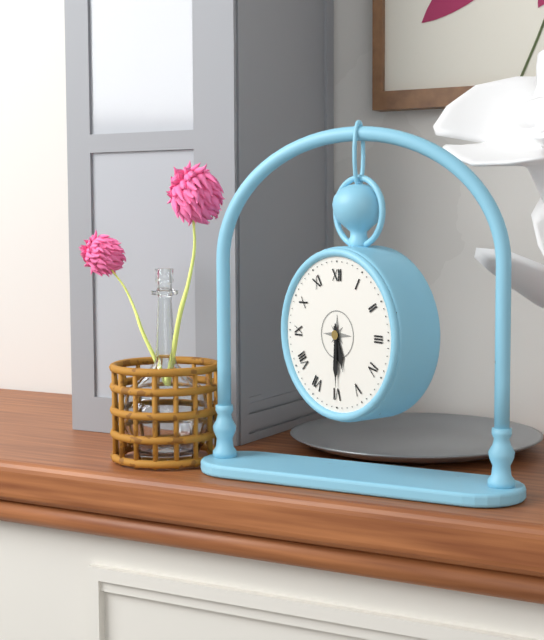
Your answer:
5 h 30 min
